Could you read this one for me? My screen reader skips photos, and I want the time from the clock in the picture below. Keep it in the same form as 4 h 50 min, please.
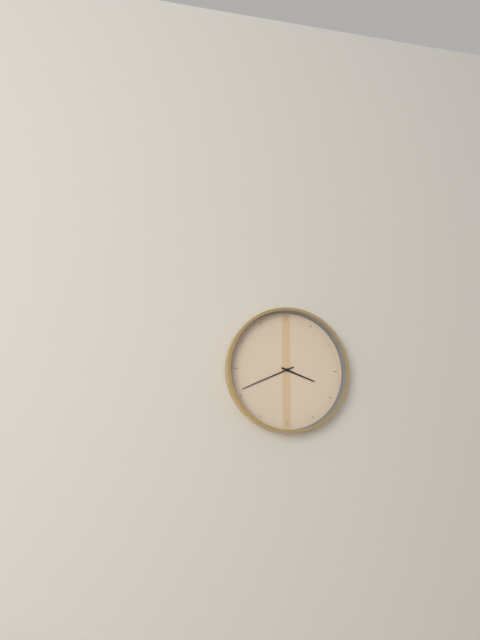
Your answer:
3 h 41 min
